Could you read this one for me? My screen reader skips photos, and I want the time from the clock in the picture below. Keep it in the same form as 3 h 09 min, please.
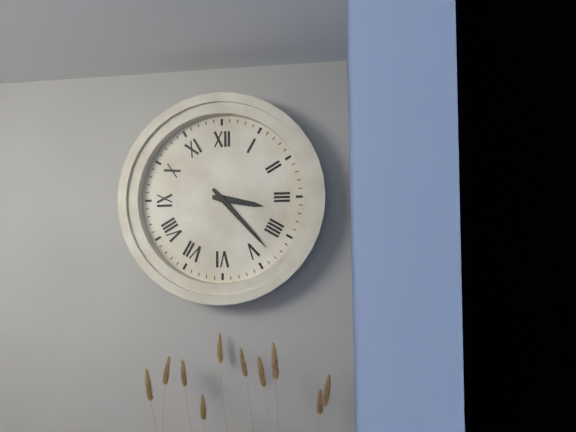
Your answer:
3 h 23 min
